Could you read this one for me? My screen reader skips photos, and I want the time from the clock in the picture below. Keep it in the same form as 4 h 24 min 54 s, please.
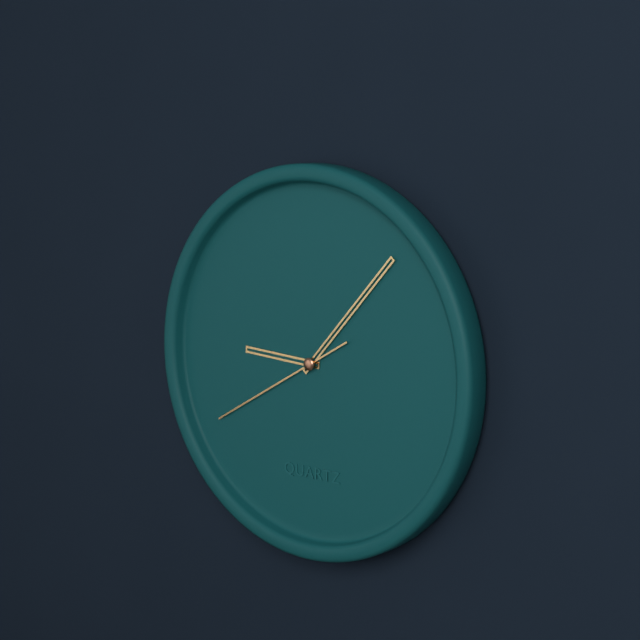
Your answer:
9 h 07 min 40 s
